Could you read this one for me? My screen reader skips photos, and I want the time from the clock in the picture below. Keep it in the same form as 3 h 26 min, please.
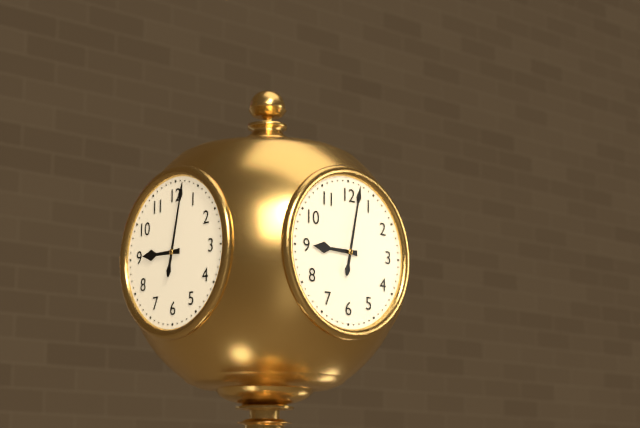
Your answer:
9 h 02 min
